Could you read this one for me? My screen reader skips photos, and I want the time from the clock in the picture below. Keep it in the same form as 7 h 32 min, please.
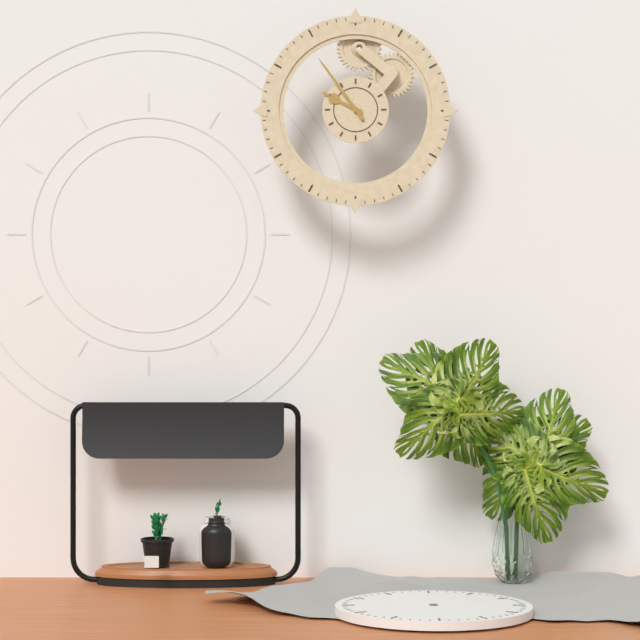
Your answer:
9 h 54 min
